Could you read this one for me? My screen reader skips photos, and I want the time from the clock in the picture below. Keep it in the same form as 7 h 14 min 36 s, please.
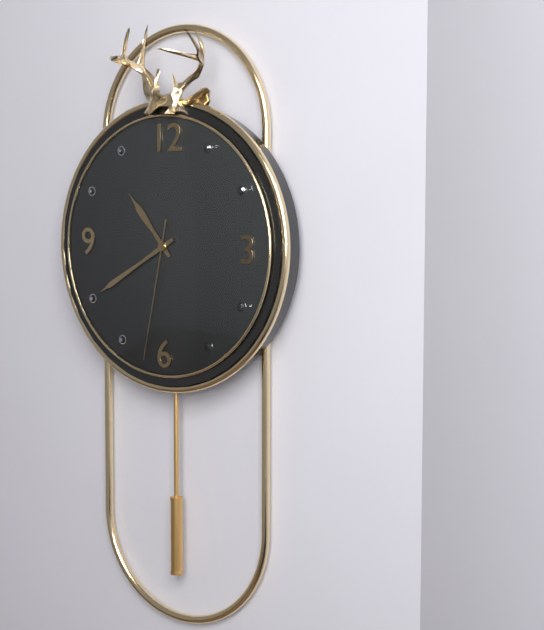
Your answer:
10 h 40 min 32 s
